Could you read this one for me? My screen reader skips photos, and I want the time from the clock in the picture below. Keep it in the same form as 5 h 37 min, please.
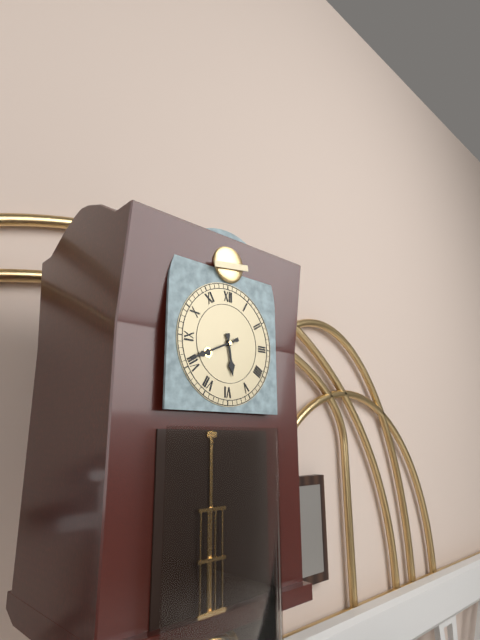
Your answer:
5 h 41 min
